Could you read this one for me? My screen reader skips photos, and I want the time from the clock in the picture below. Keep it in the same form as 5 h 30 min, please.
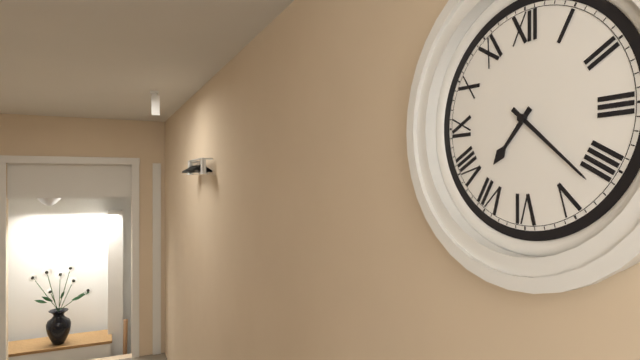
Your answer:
7 h 22 min
